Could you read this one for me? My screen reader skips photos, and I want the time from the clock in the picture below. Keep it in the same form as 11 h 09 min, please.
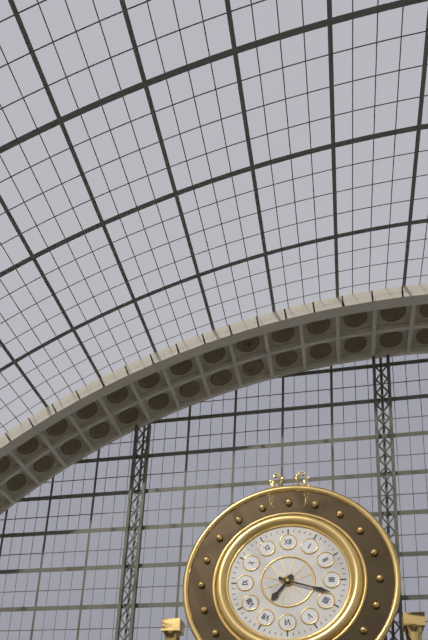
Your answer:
7 h 18 min
